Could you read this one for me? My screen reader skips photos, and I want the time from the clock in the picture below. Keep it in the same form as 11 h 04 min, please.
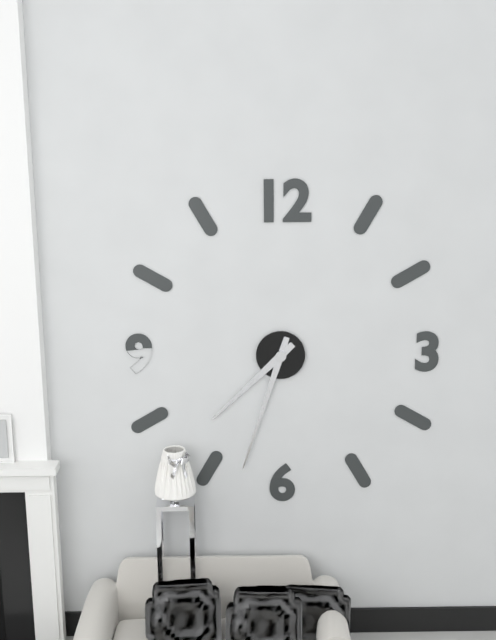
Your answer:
7 h 33 min
